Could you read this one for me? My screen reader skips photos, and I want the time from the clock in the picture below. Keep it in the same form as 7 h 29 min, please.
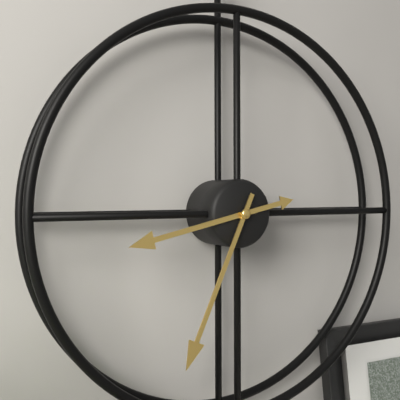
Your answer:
8 h 34 min
